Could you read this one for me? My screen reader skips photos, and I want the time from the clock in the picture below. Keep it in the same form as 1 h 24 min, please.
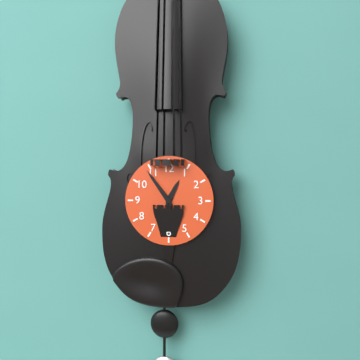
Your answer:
12 h 54 min
